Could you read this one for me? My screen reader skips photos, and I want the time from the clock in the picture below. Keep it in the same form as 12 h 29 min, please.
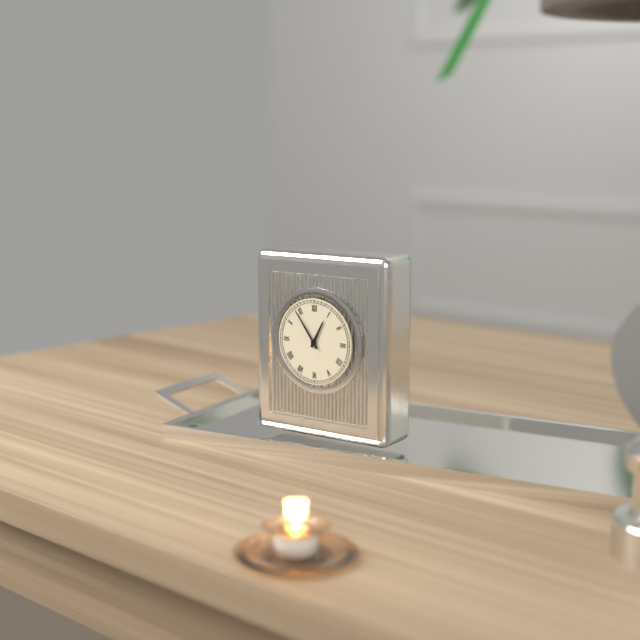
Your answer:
12 h 54 min
